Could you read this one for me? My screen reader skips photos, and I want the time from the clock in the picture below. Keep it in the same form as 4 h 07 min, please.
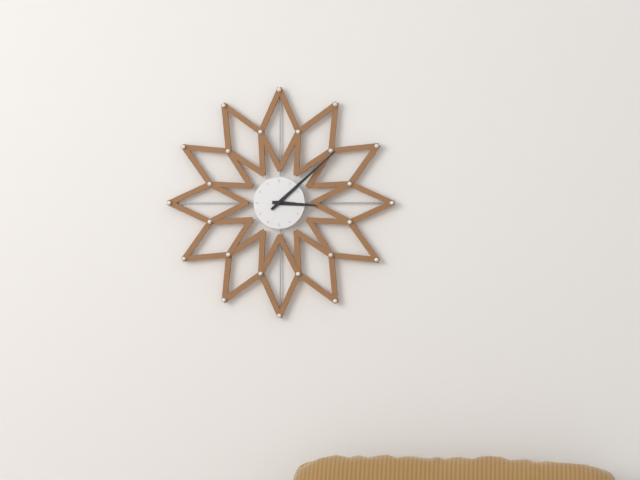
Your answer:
3 h 08 min
